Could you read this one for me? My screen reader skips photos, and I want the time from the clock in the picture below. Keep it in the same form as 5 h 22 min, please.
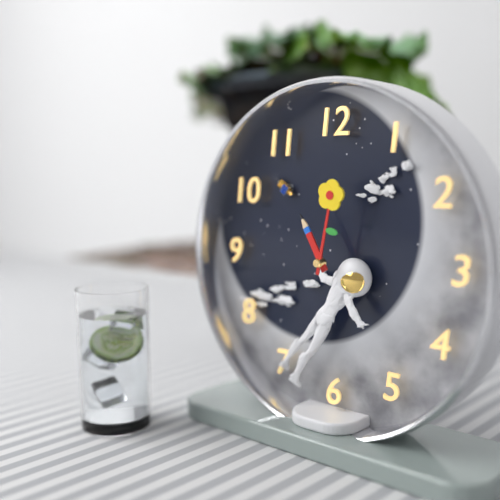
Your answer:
11 h 02 min
